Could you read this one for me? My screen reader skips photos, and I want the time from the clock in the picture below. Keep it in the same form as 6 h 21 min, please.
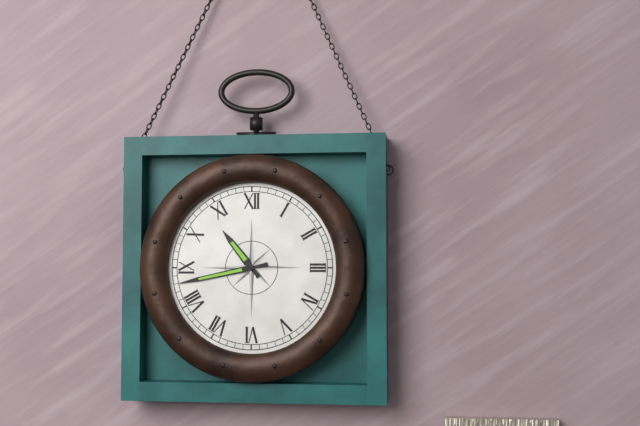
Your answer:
10 h 43 min
